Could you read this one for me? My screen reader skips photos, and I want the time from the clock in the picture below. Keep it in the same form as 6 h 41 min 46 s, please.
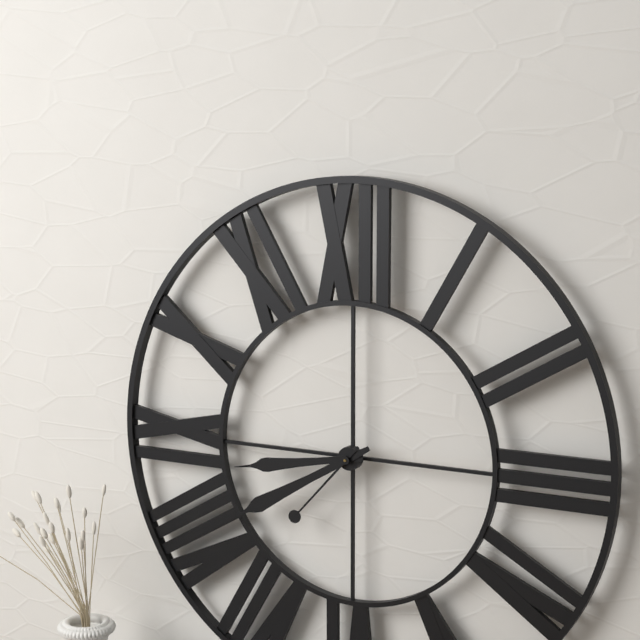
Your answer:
8 h 40 min 37 s
